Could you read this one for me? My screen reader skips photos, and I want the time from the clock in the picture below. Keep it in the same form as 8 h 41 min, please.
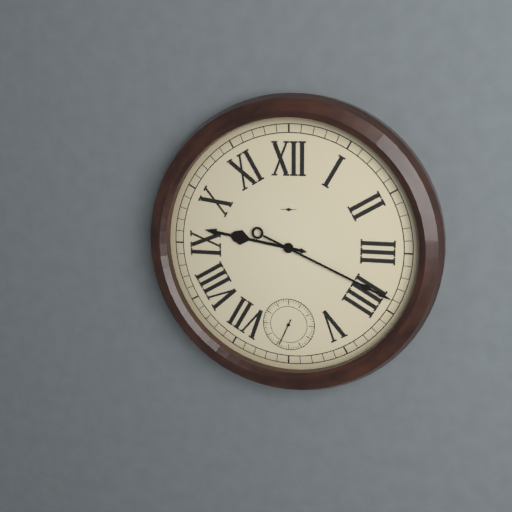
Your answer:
9 h 19 min
